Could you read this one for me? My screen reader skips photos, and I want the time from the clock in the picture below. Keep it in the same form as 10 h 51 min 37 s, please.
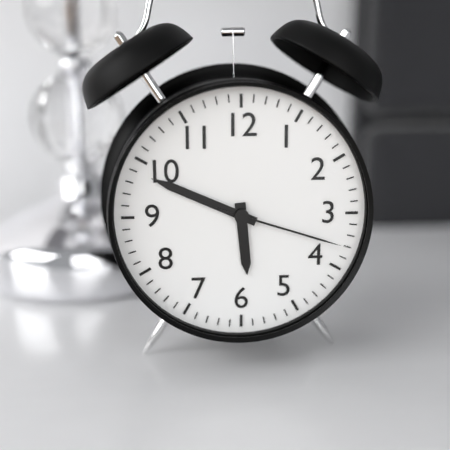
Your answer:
5 h 49 min 18 s
